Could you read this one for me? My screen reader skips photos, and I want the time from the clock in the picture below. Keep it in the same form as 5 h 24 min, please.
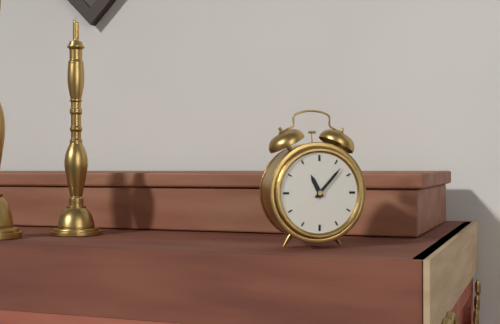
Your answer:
11 h 07 min
